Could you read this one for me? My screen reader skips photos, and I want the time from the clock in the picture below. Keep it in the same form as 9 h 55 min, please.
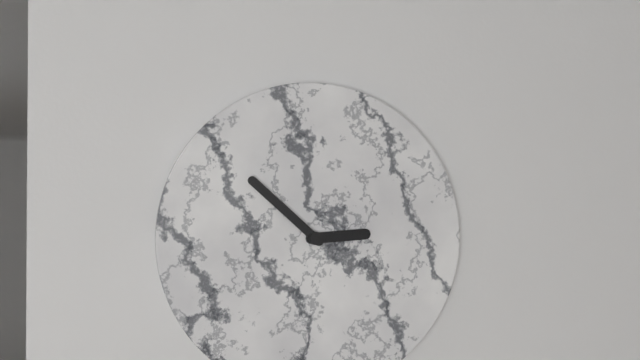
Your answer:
2 h 52 min
